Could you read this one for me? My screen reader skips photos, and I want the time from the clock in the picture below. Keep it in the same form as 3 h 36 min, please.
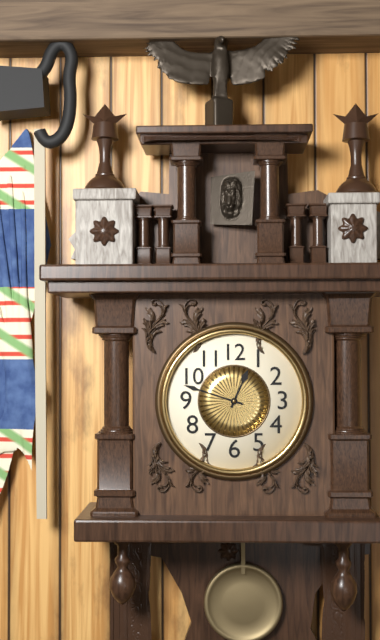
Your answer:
12 h 48 min
